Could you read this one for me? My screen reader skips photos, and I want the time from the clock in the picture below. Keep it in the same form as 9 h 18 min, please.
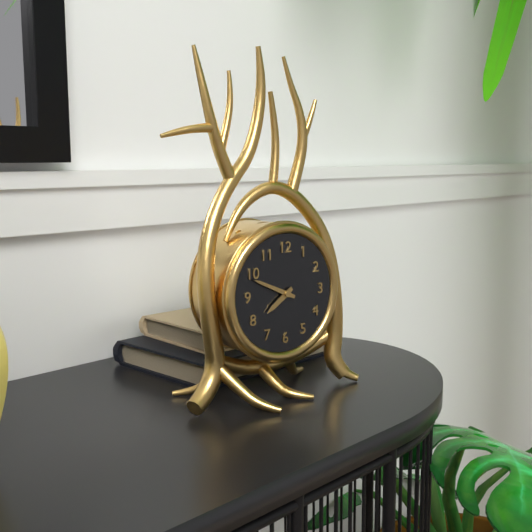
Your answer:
7 h 49 min
